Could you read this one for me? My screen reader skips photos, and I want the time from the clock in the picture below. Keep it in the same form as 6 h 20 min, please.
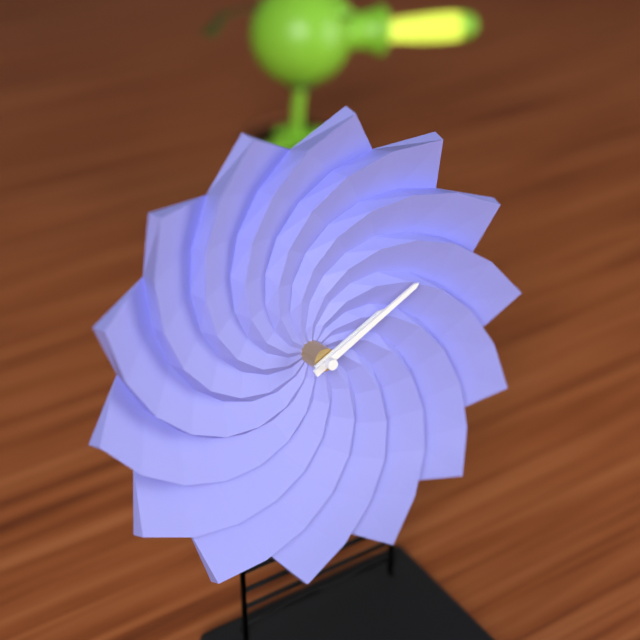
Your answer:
2 h 11 min
